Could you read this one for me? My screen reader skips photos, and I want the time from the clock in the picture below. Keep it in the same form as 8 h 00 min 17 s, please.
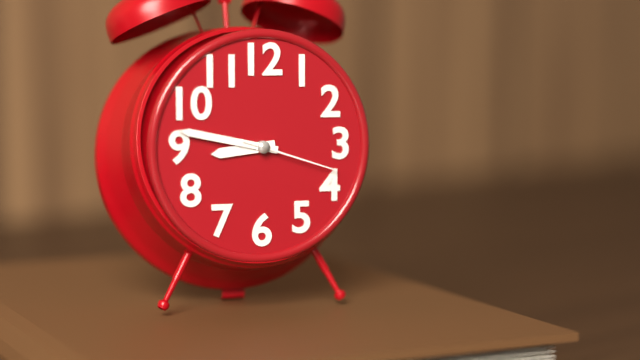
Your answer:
8 h 47 min 18 s
